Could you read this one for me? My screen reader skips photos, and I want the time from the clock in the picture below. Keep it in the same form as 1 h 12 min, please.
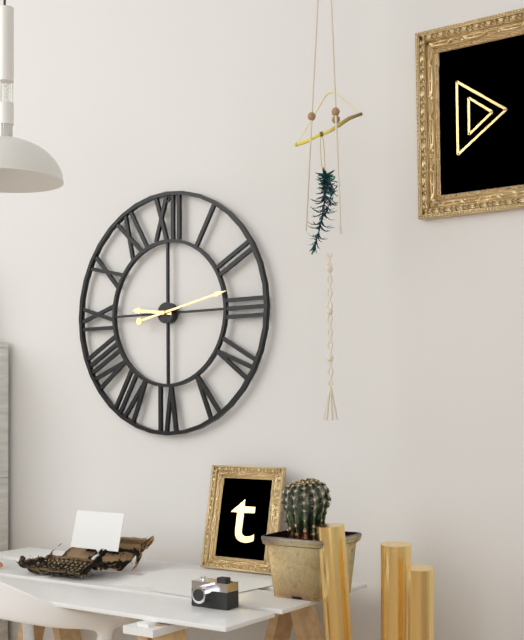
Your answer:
9 h 13 min
